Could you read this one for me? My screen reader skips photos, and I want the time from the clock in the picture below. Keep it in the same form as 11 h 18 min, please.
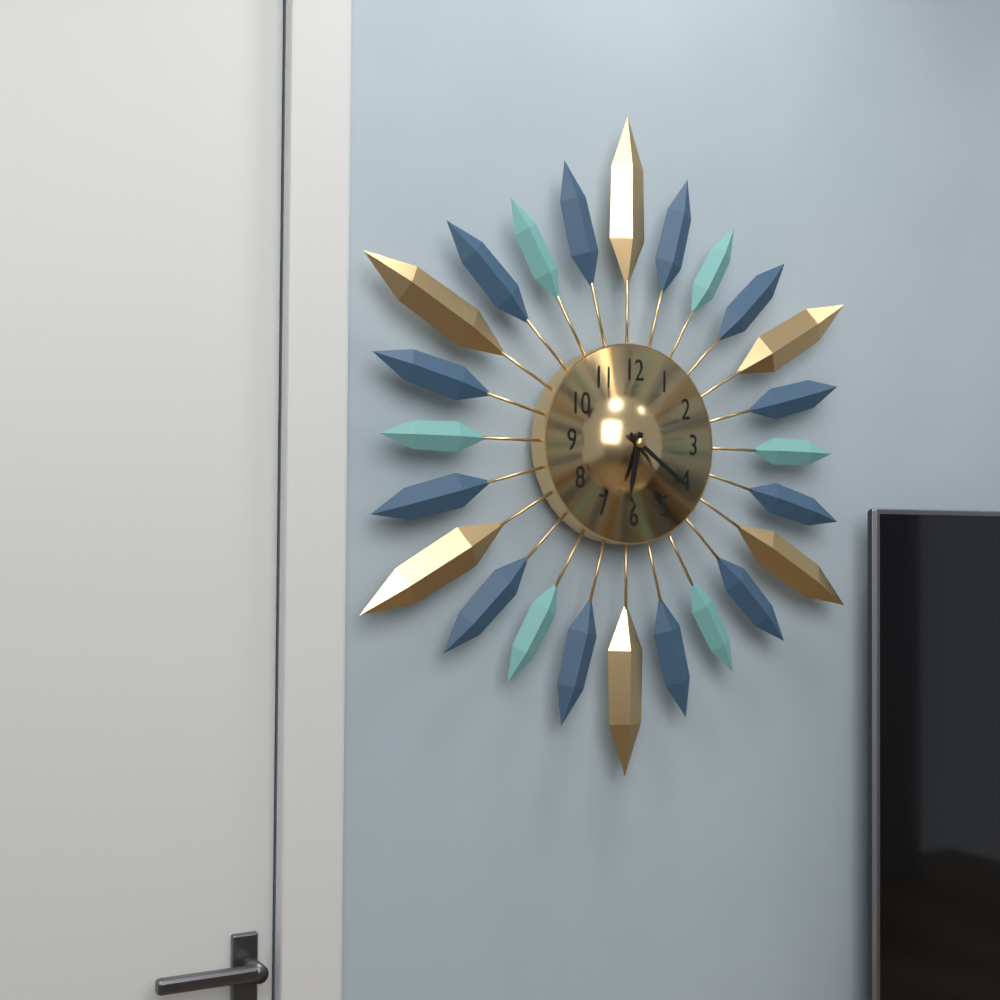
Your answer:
6 h 21 min
